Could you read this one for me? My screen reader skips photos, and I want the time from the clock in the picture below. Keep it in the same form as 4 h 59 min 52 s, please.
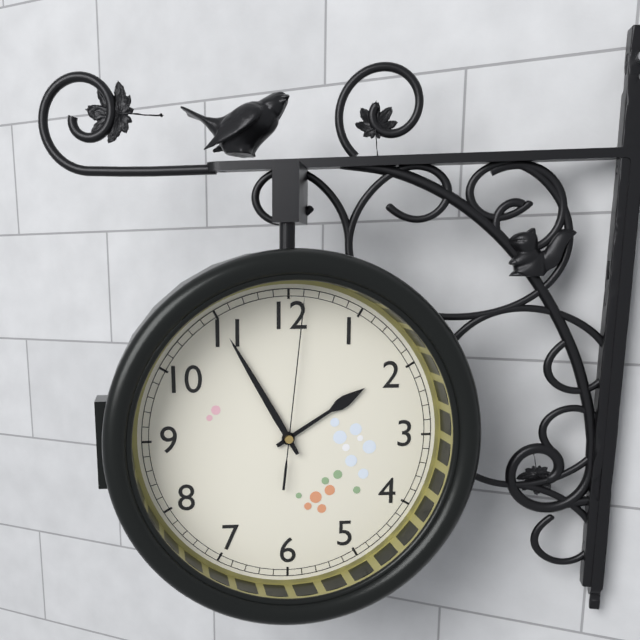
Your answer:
1 h 55 min 01 s
